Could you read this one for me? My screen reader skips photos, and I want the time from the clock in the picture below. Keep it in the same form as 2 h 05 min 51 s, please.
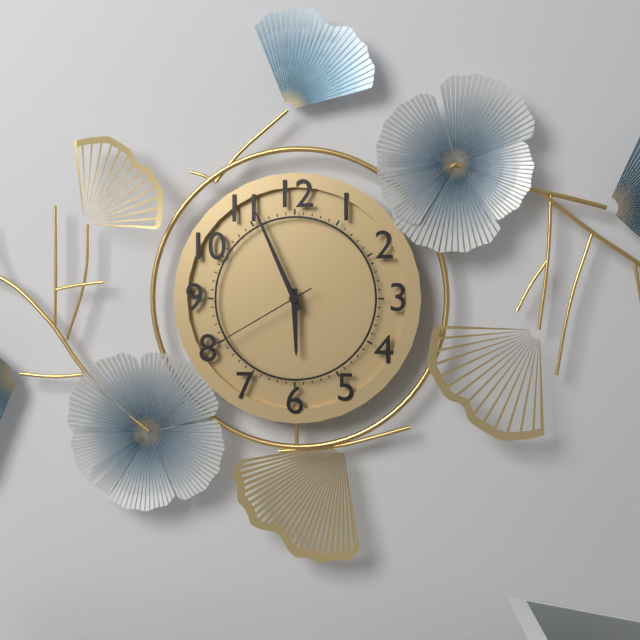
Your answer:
5 h 56 min 40 s
